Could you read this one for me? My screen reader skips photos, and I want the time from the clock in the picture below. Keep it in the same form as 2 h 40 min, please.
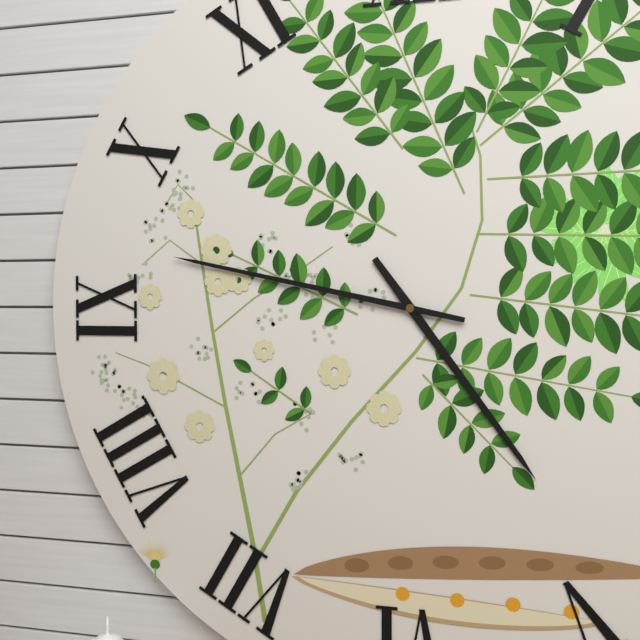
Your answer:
4 h 47 min
